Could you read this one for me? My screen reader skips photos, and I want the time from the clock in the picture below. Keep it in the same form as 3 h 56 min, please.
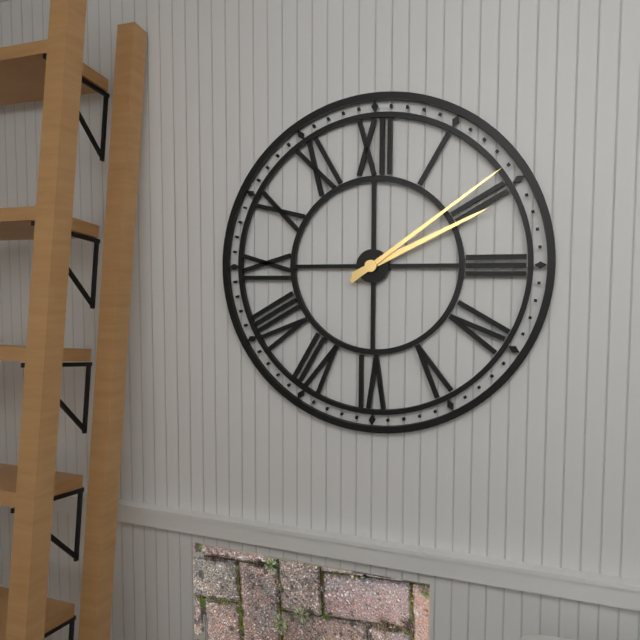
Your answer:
2 h 09 min
